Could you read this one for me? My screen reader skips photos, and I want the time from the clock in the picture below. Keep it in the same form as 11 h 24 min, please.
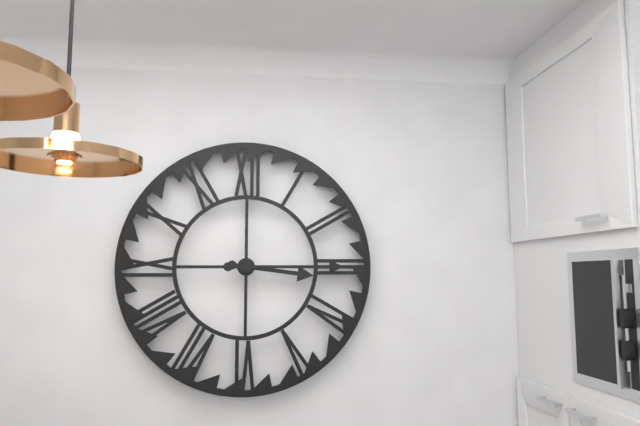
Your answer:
3 h 15 min
